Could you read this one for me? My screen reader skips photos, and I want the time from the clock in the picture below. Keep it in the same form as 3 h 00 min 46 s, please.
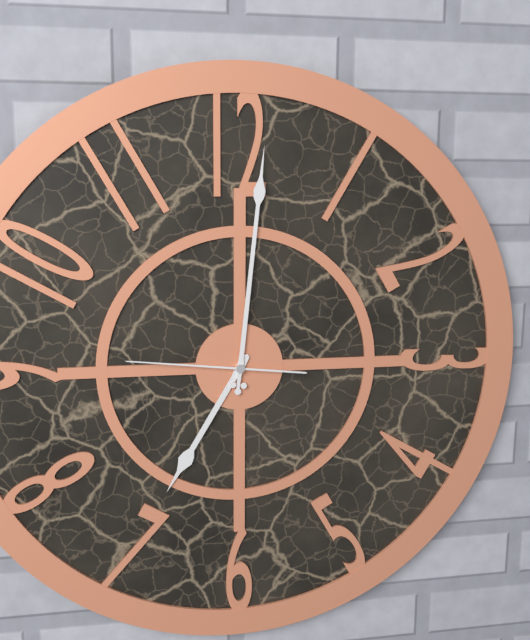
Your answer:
7 h 01 min 46 s
